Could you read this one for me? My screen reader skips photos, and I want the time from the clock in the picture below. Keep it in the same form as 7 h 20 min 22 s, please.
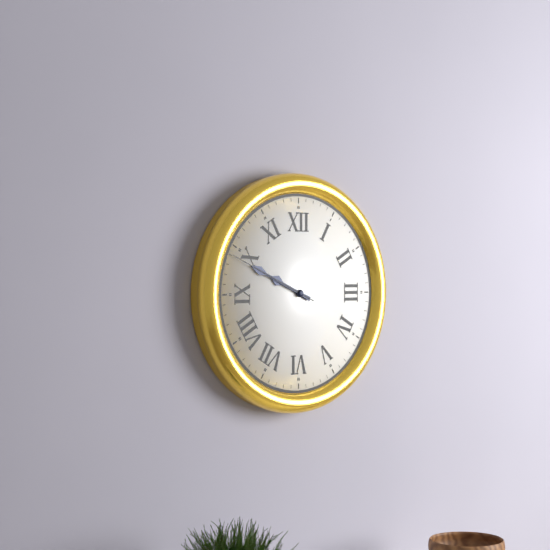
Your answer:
9 h 49 min 49 s
